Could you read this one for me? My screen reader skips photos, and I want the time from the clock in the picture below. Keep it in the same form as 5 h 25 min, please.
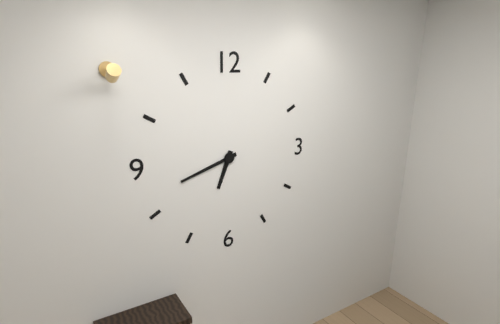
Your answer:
6 h 42 min
